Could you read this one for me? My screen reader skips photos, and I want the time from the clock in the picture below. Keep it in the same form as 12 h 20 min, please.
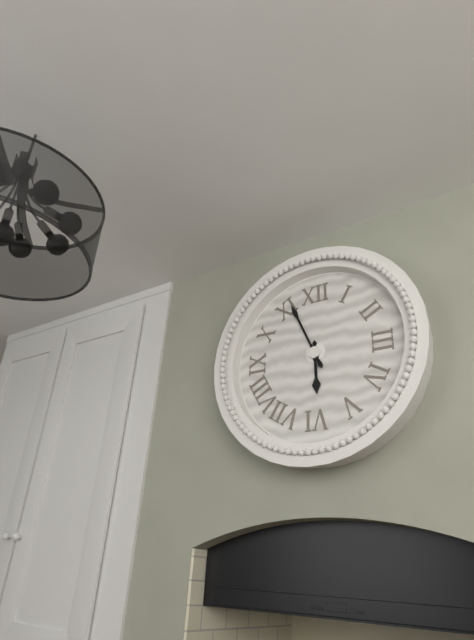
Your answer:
5 h 56 min
